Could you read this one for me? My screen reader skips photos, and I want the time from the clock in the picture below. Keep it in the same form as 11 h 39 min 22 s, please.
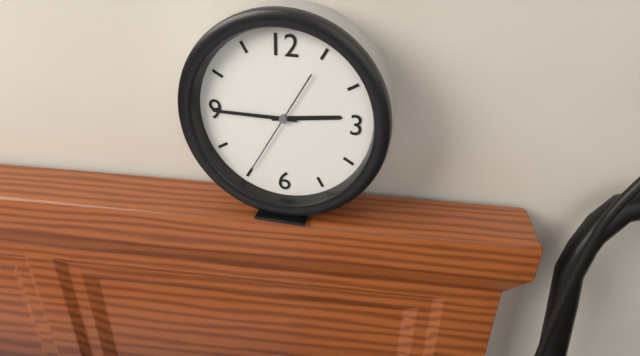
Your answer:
2 h 45 min 35 s
